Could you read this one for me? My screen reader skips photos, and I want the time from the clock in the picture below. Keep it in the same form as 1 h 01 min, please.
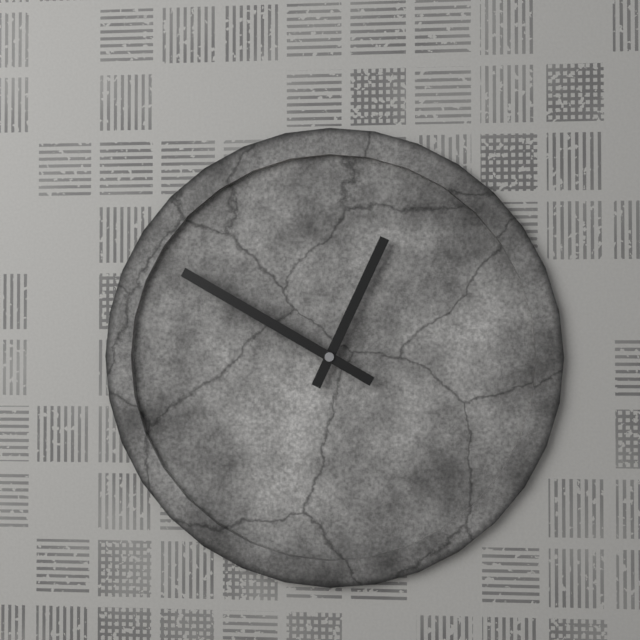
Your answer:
12 h 50 min
